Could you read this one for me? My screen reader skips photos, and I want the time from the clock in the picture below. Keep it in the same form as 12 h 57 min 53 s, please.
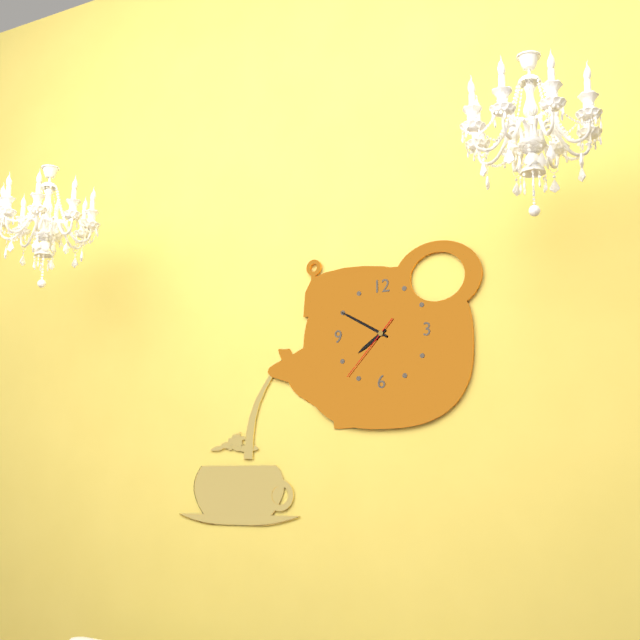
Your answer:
7 h 50 min 37 s
